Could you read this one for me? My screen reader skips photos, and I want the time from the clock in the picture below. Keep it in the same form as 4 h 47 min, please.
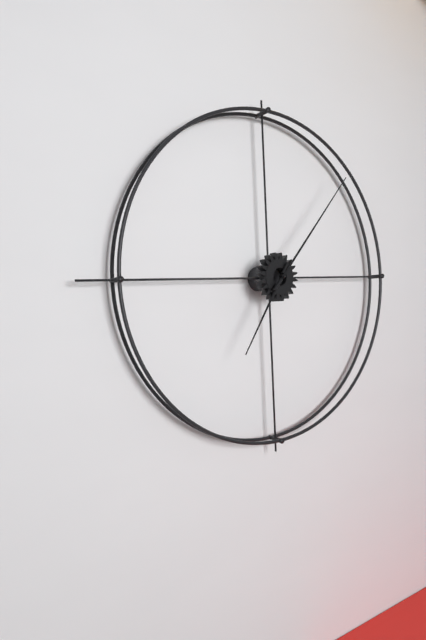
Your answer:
7 h 07 min
